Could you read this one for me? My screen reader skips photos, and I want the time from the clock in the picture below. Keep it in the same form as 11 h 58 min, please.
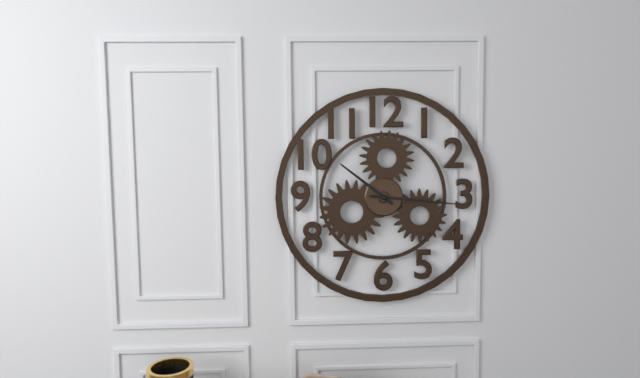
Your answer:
10 h 16 min
